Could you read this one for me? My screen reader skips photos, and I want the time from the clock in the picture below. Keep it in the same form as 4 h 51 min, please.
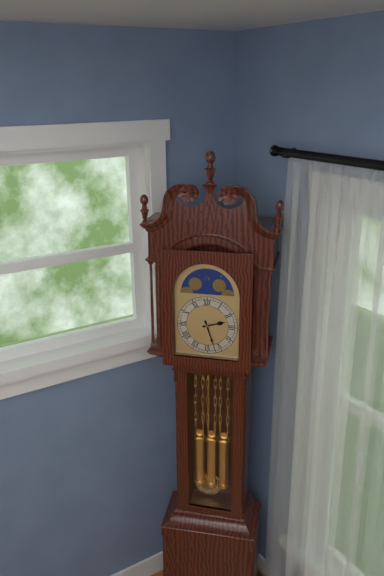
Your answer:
2 h 27 min
